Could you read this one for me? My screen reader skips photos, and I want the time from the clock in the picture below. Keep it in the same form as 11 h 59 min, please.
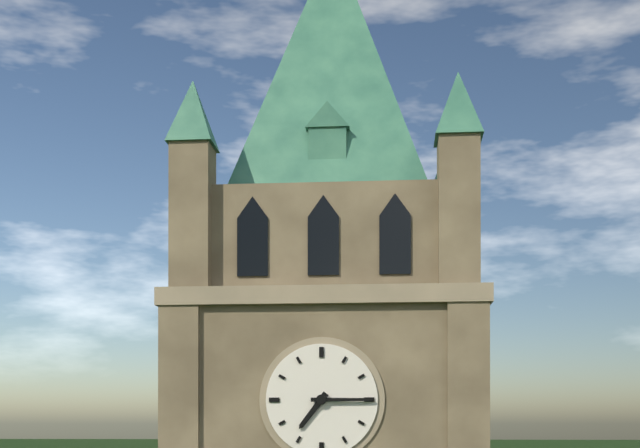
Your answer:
7 h 15 min
